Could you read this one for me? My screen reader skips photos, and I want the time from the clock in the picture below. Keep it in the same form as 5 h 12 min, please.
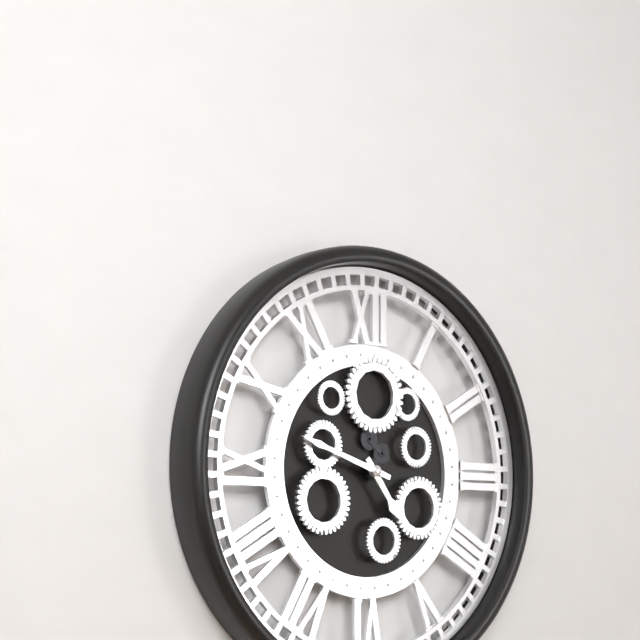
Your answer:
4 h 48 min
